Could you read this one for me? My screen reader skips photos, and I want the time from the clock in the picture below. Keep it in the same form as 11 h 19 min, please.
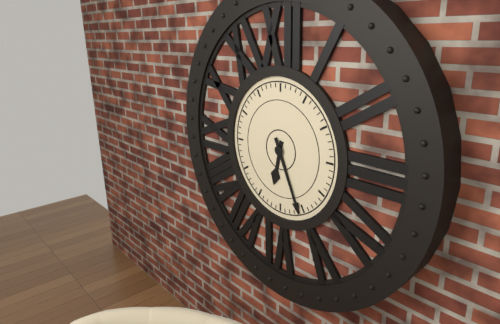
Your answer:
6 h 26 min
